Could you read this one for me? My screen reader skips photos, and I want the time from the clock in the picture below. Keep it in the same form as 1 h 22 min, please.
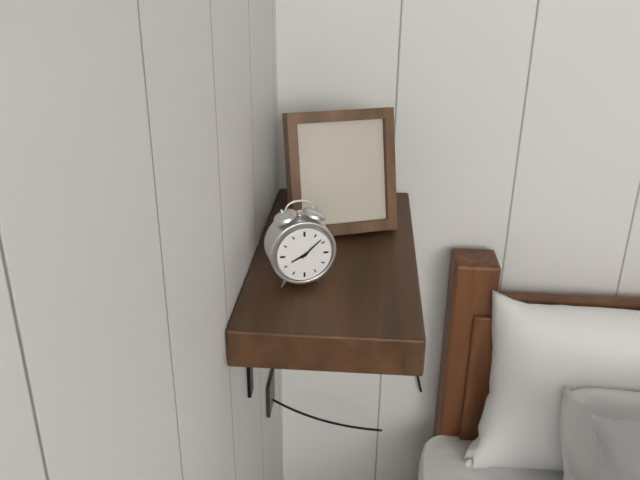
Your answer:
8 h 08 min
